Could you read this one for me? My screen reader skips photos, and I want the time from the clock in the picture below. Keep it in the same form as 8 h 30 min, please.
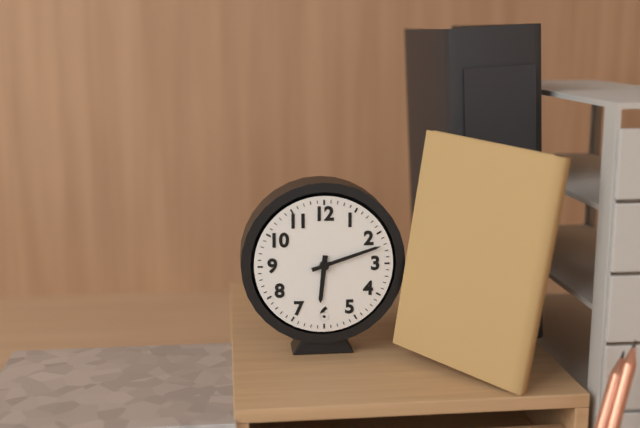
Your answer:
6 h 12 min
